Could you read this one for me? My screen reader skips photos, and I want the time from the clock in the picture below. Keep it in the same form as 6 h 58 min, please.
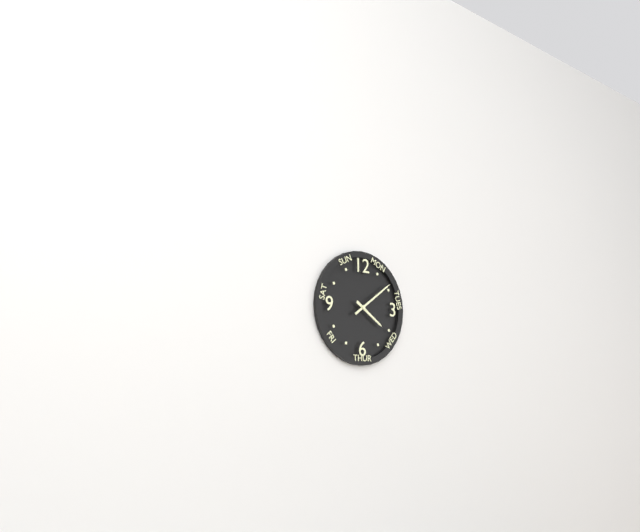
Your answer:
4 h 09 min
